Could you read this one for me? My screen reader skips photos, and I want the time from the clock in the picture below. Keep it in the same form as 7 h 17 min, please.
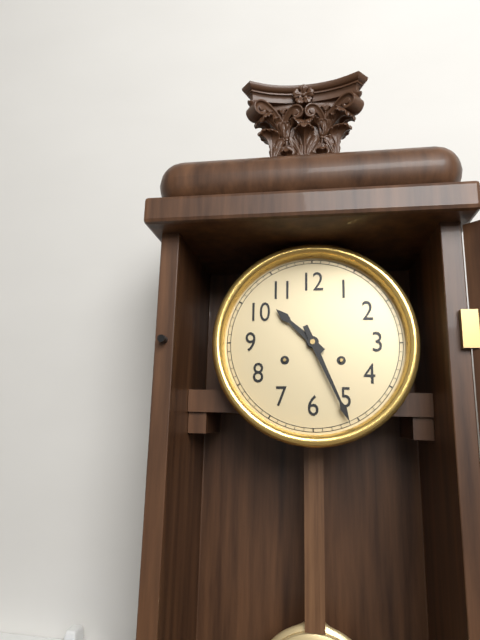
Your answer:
10 h 26 min
